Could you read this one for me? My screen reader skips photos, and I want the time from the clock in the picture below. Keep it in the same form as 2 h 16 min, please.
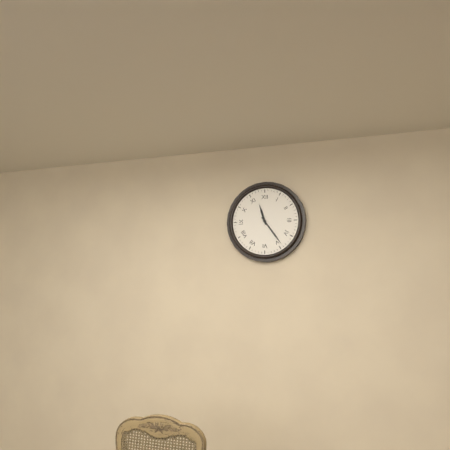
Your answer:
11 h 24 min
